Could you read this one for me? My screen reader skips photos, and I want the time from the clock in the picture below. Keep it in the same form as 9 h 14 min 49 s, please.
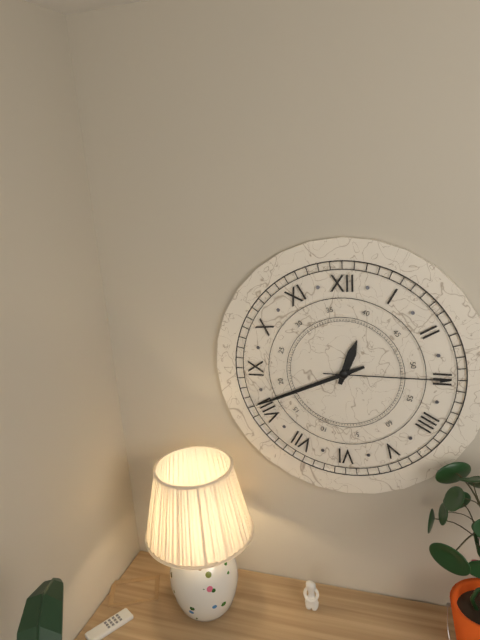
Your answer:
12 h 41 min 15 s
